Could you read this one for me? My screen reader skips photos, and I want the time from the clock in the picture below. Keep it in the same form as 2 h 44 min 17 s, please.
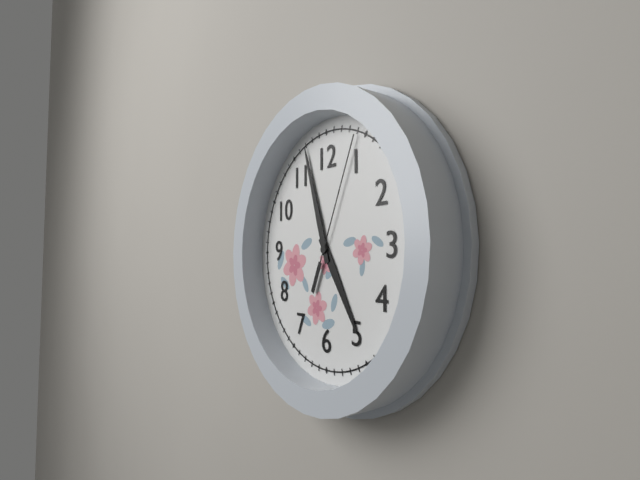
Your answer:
4 h 57 min 04 s
